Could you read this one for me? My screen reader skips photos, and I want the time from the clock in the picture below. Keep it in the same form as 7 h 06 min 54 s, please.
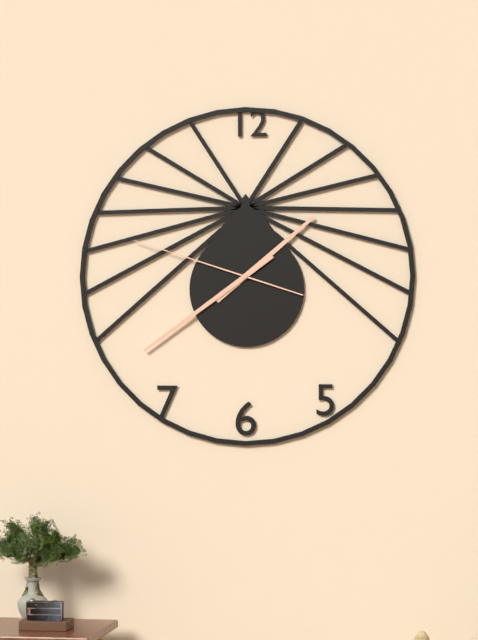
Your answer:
1 h 39 min 48 s
